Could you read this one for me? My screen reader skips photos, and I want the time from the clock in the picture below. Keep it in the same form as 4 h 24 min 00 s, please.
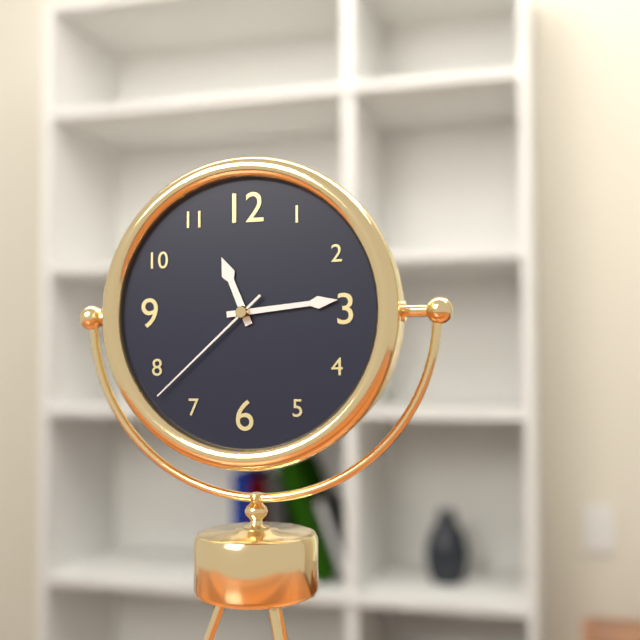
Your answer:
11 h 14 min 38 s
